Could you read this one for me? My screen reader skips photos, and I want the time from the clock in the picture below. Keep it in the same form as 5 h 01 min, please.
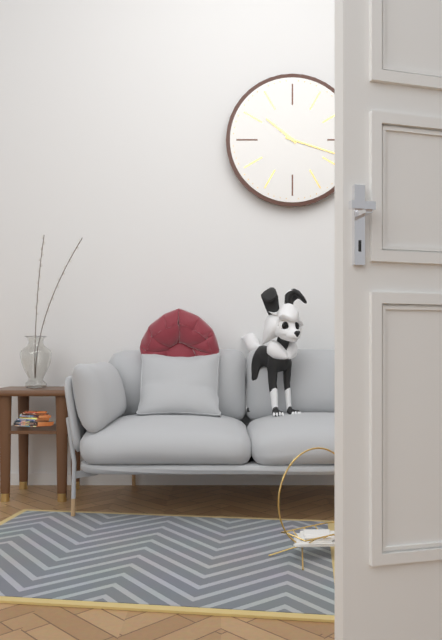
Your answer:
10 h 18 min
